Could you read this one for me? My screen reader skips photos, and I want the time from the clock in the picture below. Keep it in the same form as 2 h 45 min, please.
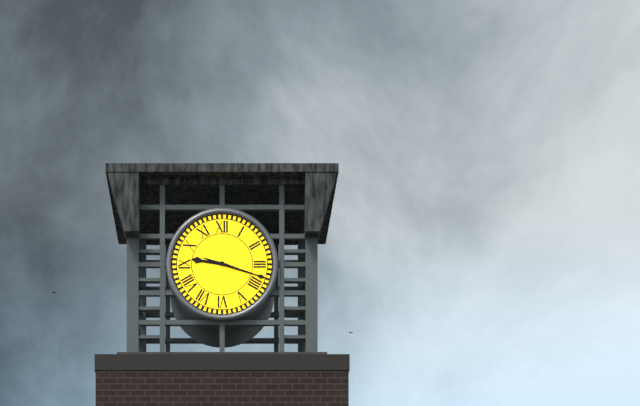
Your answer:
9 h 18 min
